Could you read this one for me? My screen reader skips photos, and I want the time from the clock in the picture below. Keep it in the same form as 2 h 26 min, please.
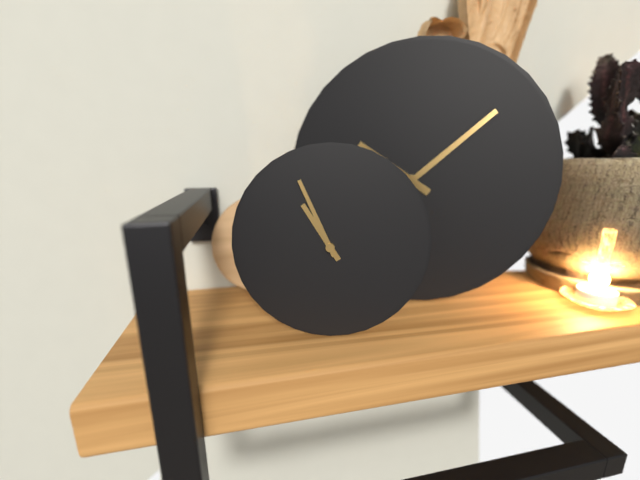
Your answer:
10 h 56 min
